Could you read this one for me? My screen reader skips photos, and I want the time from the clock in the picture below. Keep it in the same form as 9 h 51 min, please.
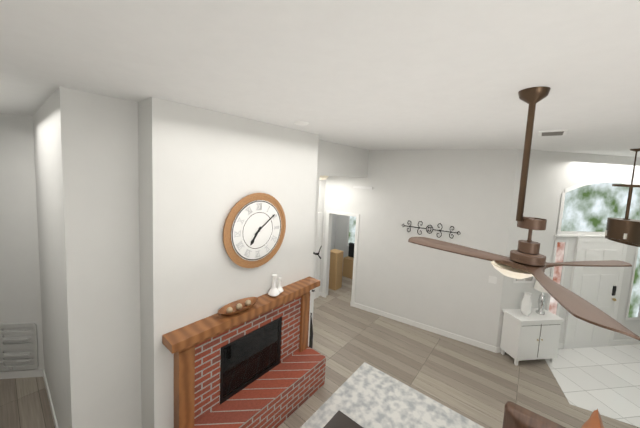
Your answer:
7 h 09 min
